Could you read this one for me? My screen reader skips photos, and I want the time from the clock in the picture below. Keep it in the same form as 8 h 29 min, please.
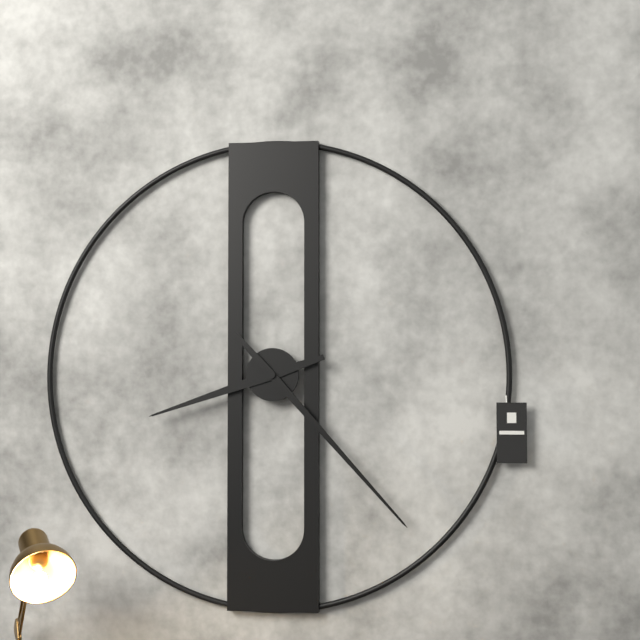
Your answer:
8 h 23 min
